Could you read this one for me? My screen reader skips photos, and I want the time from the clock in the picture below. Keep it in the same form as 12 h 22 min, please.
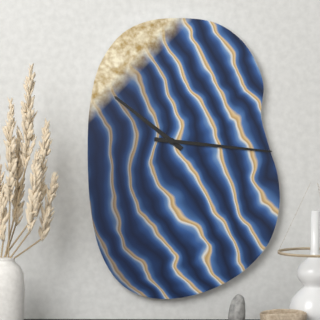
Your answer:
10 h 16 min
